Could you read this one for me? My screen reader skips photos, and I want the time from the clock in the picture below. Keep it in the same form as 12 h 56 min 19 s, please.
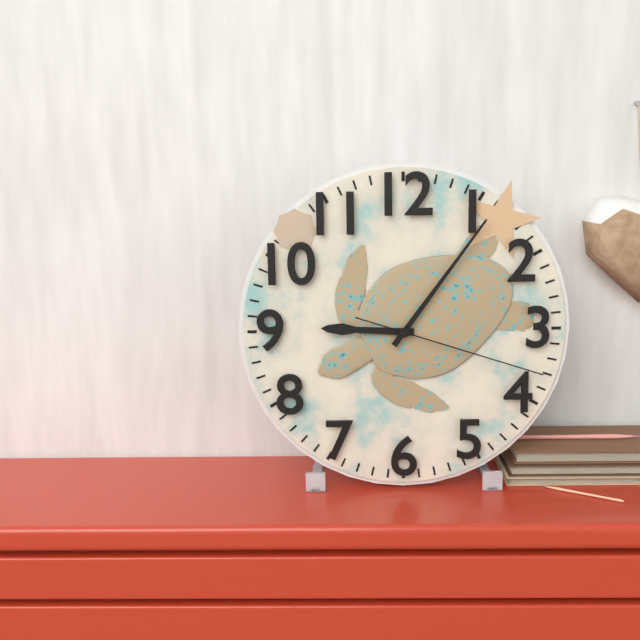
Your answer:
9 h 06 min 18 s
